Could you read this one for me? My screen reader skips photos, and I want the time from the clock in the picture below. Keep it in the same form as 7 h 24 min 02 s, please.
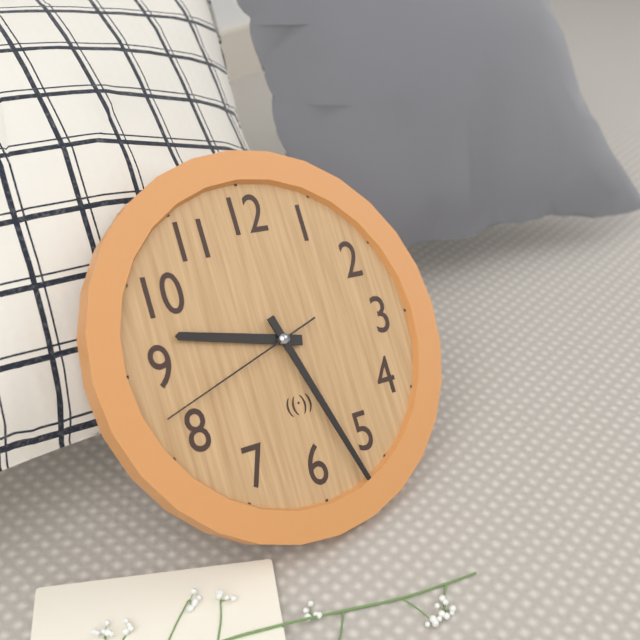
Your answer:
9 h 27 min 42 s
